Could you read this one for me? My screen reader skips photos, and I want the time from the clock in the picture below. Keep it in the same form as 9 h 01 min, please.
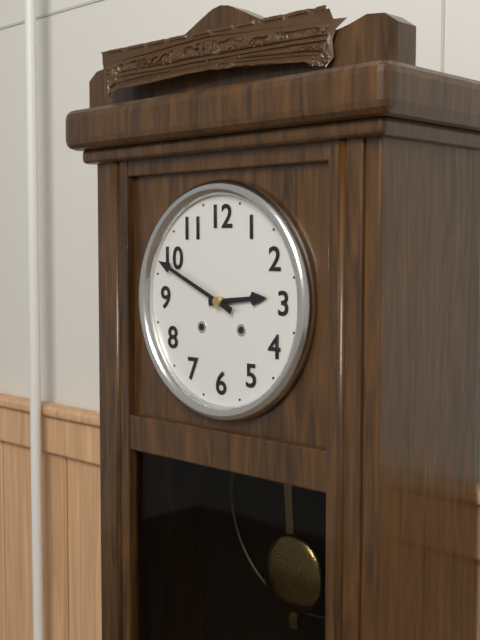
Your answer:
2 h 49 min
